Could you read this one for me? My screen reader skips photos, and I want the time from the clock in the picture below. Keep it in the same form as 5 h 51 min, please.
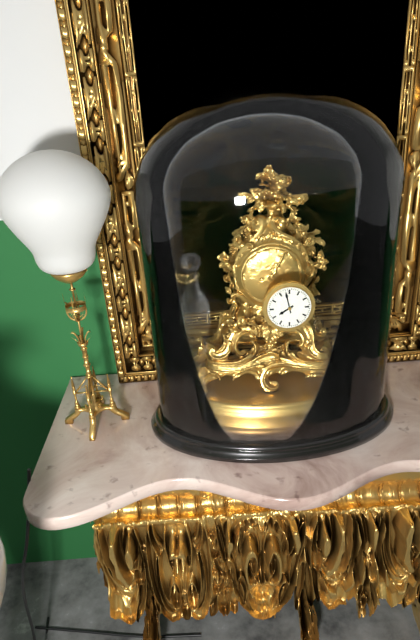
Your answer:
7 h 58 min
